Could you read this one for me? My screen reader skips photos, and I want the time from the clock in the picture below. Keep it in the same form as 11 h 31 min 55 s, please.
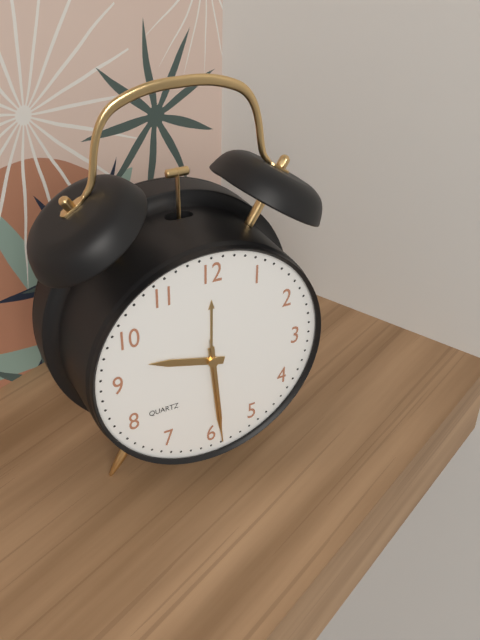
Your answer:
9 h 29 min 29 s
